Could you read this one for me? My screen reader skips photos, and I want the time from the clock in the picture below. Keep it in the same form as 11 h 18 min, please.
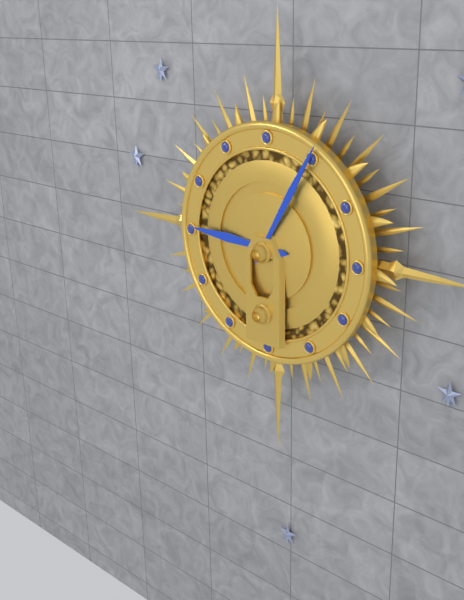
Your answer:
9 h 05 min
